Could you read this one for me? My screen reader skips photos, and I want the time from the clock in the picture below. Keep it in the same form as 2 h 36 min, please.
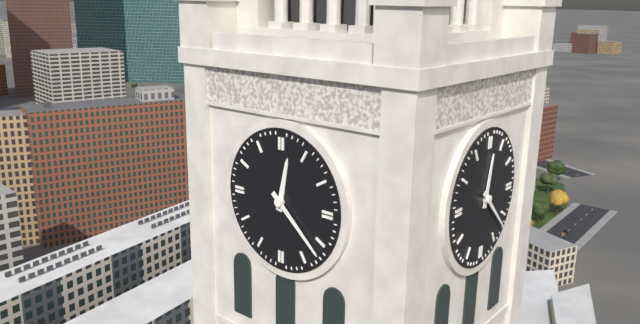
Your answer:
12 h 22 min
